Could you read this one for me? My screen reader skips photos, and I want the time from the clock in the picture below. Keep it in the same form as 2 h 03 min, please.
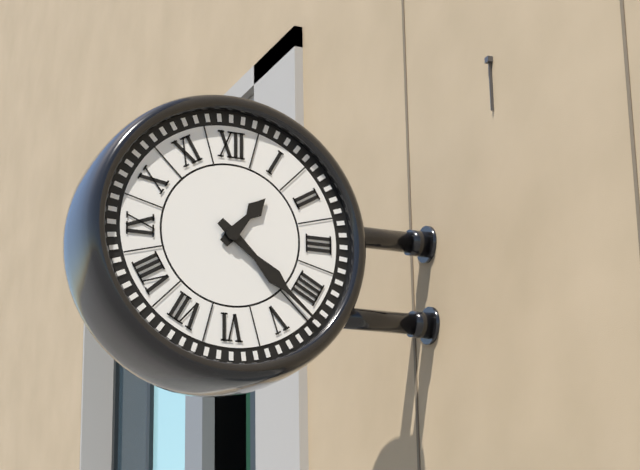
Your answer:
1 h 22 min
